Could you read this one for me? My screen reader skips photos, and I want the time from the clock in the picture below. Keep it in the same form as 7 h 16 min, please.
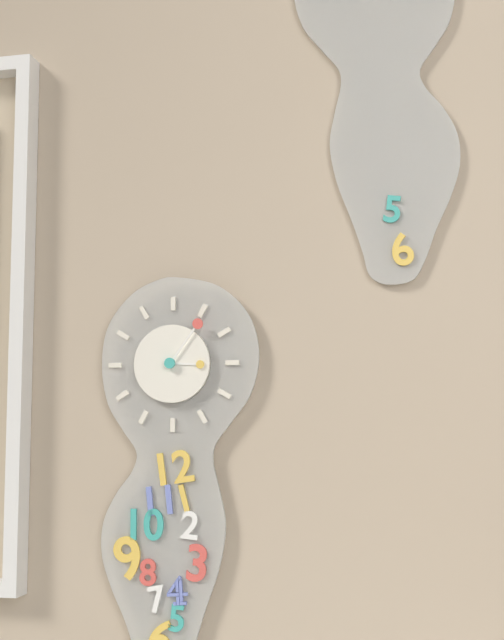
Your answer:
3 h 06 min
